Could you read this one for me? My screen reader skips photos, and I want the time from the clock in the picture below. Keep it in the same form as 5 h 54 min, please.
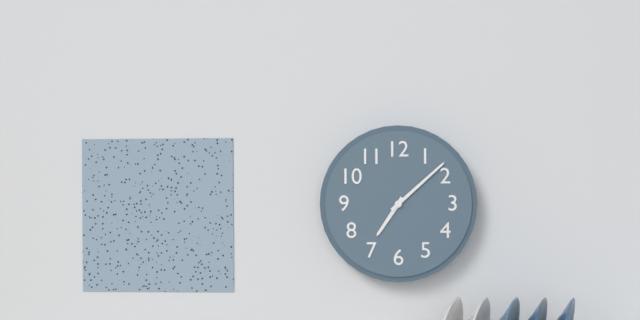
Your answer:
7 h 08 min
